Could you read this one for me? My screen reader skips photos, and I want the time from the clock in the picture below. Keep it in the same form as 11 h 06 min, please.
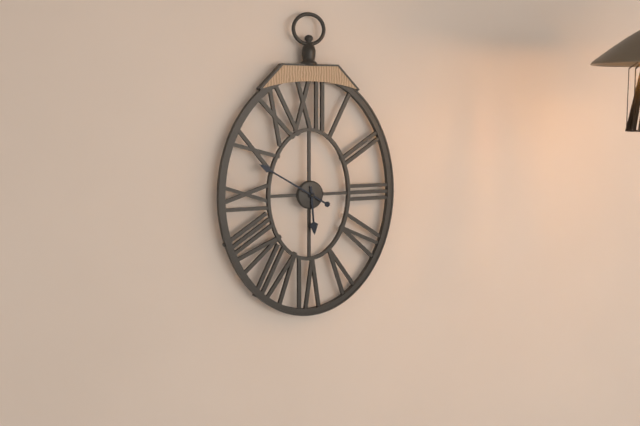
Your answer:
5 h 50 min
